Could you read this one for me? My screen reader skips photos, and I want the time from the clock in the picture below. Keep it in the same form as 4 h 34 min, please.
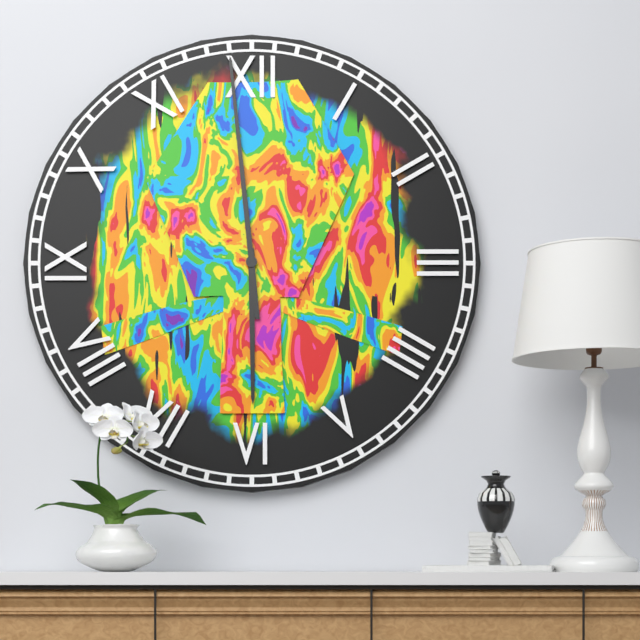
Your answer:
5 h 59 min
